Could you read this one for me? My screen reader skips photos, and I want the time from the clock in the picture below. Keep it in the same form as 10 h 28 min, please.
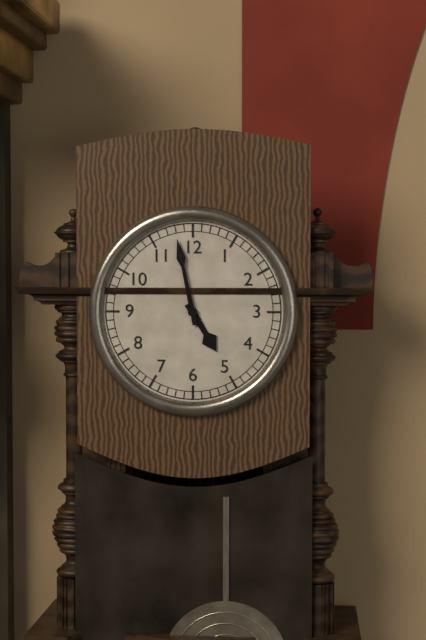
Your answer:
4 h 58 min
